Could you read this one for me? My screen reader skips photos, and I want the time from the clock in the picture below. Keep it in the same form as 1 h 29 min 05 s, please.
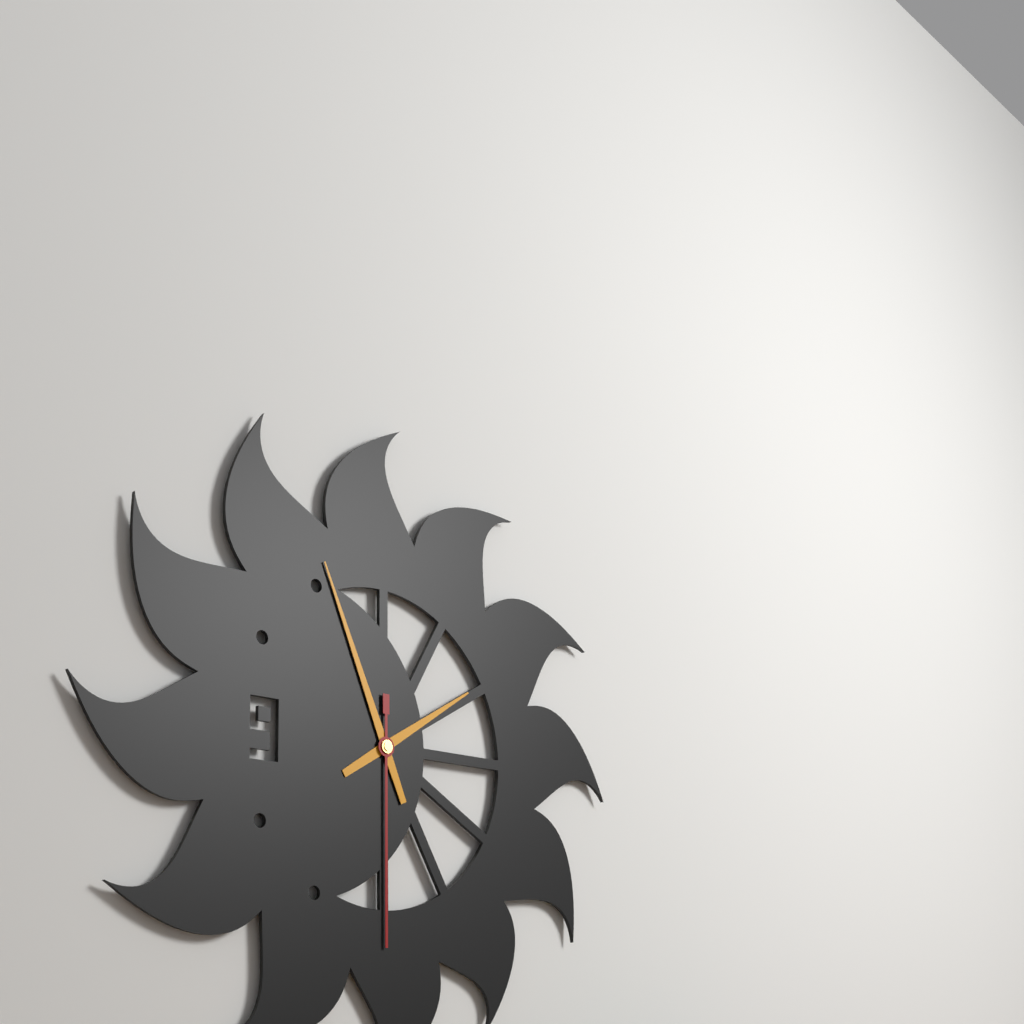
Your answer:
1 h 56 min 30 s
